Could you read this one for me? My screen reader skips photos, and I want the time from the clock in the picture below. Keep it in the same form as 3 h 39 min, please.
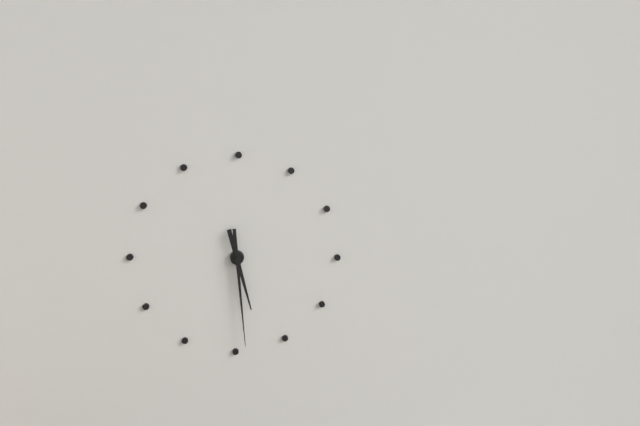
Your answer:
5 h 29 min
